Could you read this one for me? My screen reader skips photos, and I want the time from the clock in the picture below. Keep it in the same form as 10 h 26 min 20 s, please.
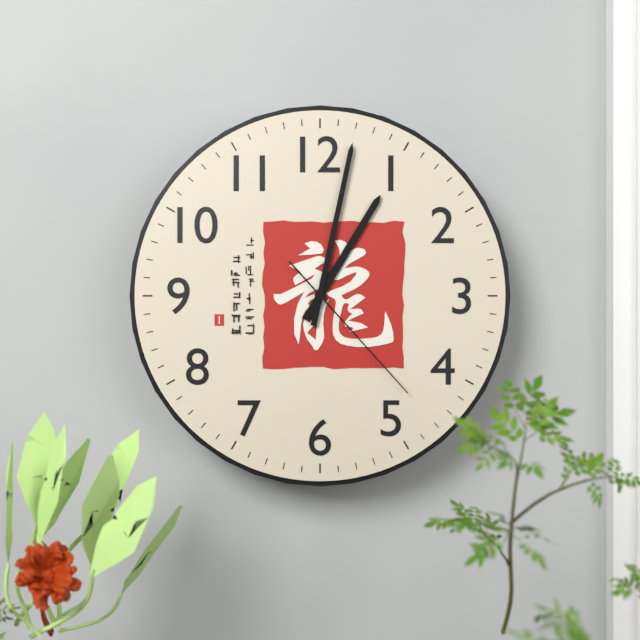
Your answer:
1 h 02 min 23 s
